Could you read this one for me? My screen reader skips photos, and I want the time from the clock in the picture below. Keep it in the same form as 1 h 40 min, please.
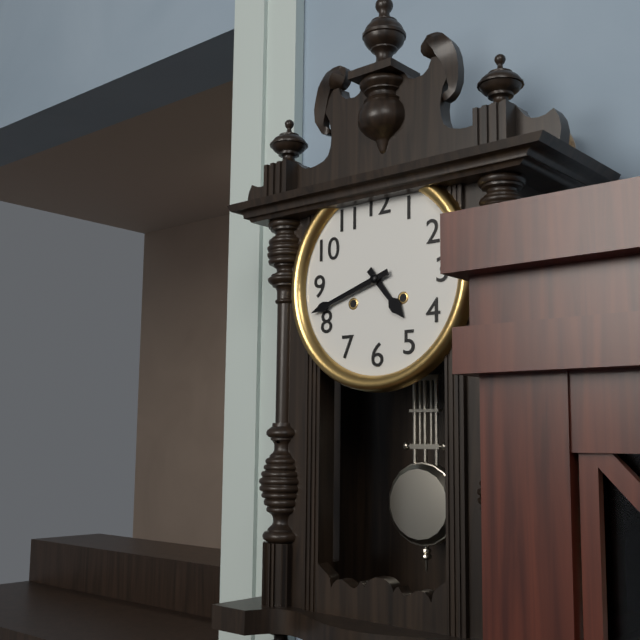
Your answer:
4 h 42 min
